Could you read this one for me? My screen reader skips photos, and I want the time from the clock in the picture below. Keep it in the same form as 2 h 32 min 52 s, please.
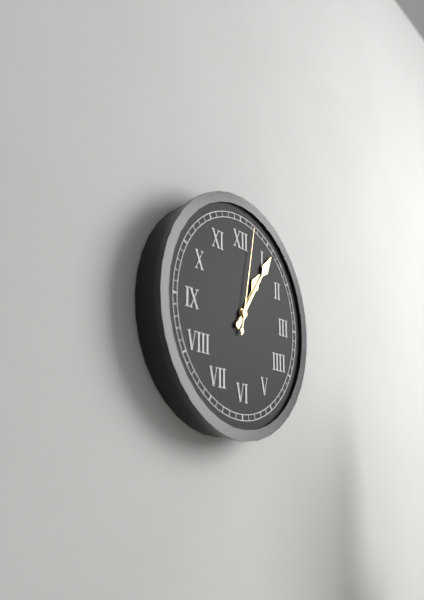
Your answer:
1 h 06 min 02 s
